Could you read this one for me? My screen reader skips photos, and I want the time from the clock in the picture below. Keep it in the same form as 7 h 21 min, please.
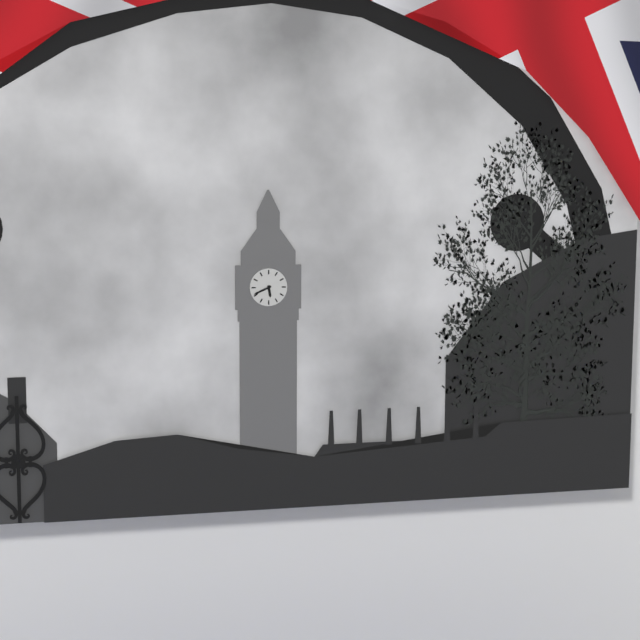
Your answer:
5 h 41 min
